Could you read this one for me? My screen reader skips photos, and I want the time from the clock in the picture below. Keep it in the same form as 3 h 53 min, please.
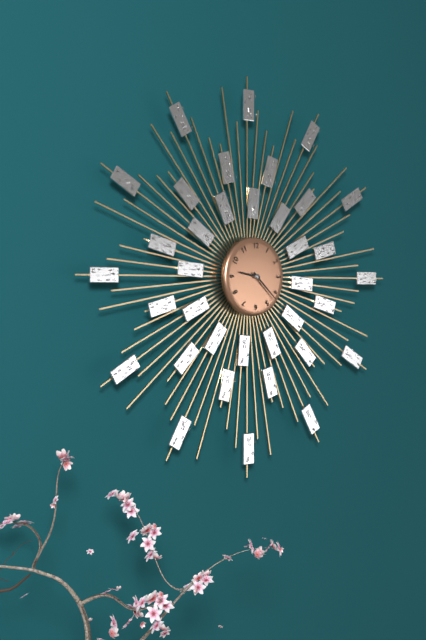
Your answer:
9 h 22 min
